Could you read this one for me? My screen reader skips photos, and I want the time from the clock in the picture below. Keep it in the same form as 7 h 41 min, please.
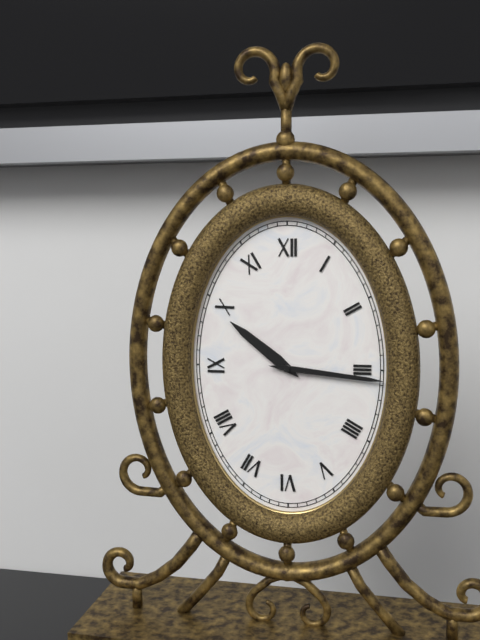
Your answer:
10 h 16 min
